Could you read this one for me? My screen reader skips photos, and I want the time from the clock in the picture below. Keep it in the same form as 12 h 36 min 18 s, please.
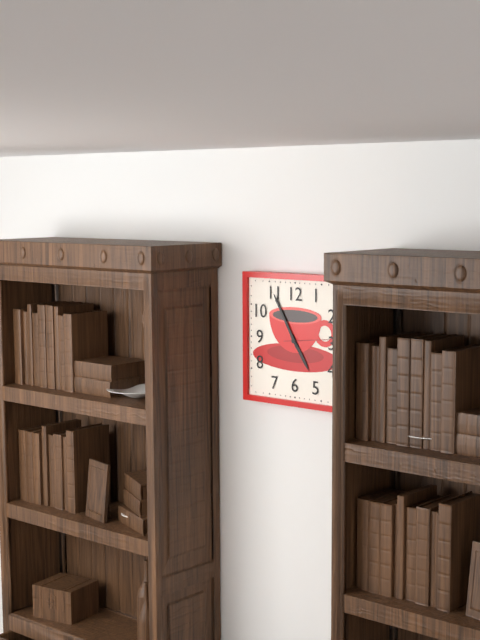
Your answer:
4 h 55 min 14 s
